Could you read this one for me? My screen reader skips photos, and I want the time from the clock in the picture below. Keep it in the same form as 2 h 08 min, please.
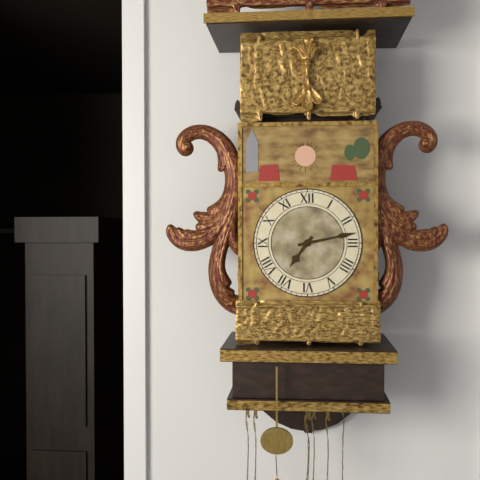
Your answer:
7 h 13 min
